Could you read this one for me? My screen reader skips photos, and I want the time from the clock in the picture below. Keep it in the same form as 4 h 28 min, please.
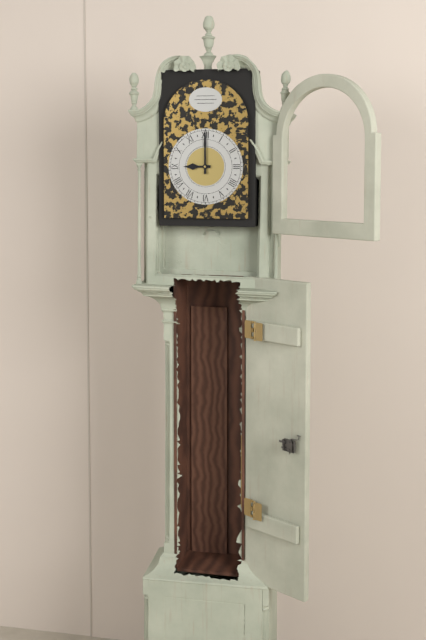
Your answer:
9 h 00 min
